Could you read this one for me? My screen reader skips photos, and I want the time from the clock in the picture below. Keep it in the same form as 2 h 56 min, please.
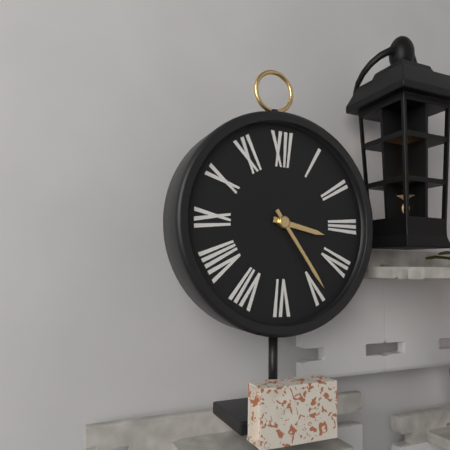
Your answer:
3 h 24 min
